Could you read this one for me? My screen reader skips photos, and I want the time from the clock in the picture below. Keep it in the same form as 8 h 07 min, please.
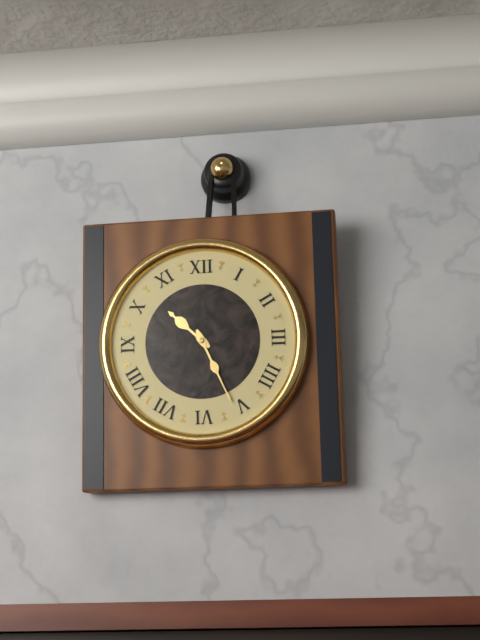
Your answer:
10 h 26 min
